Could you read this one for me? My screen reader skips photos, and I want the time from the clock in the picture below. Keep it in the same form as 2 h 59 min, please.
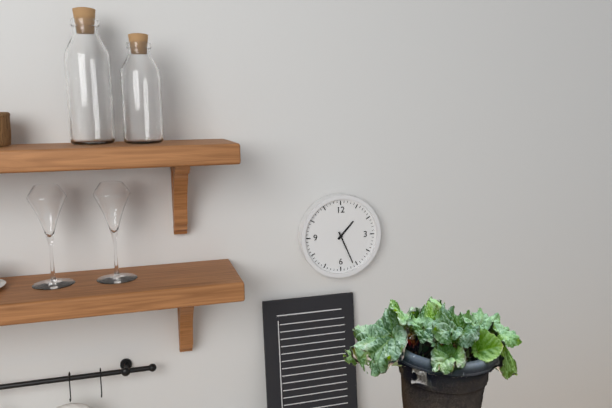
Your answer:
1 h 26 min
